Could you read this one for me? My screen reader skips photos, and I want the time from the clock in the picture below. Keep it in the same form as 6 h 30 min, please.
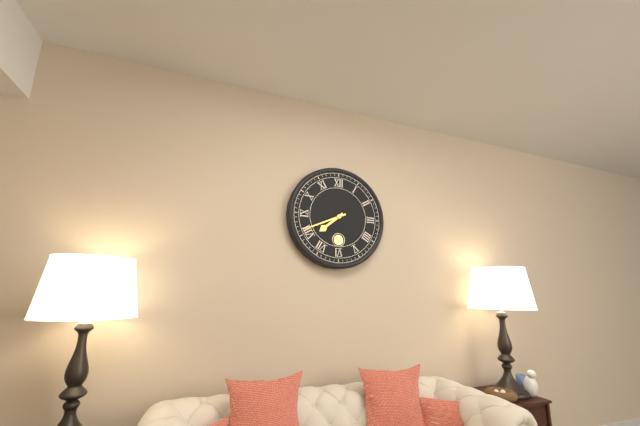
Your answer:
7 h 41 min
